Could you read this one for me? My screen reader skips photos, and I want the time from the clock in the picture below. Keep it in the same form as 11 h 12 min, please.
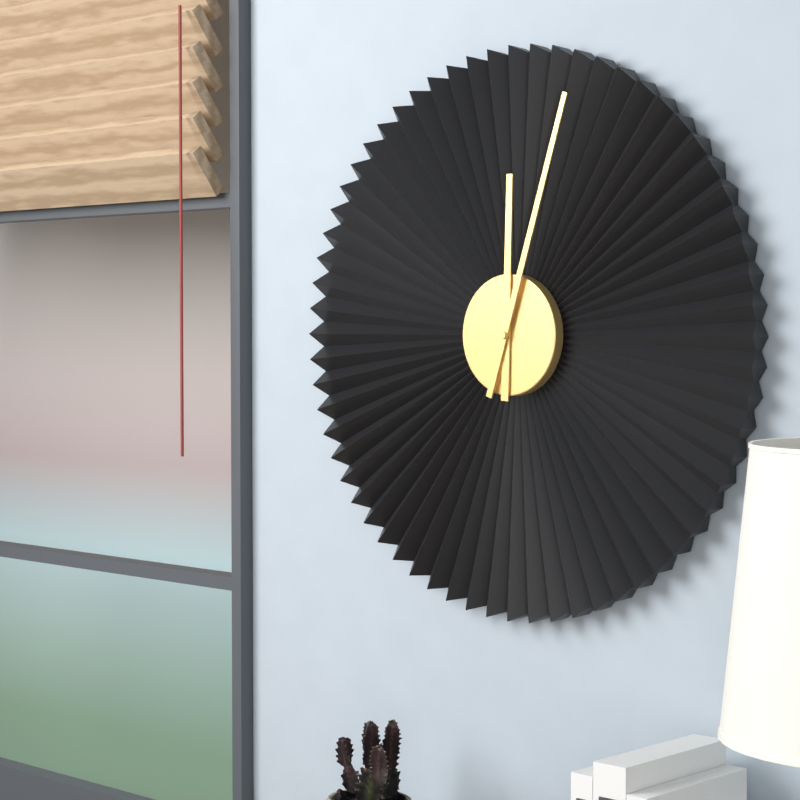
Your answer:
12 h 03 min
